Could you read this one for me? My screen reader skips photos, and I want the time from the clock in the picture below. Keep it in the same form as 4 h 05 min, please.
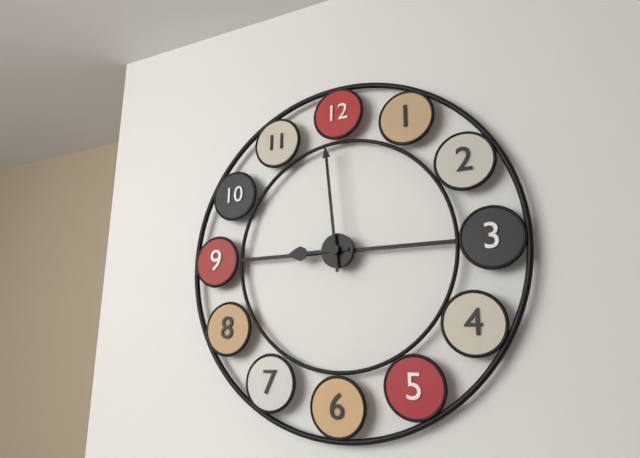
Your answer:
8 h 59 min
